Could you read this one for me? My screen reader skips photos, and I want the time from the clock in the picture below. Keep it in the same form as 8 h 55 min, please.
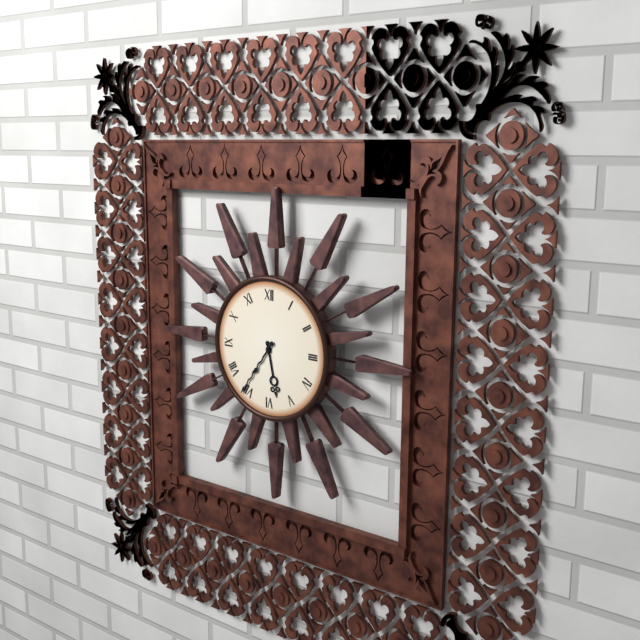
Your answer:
5 h 36 min
